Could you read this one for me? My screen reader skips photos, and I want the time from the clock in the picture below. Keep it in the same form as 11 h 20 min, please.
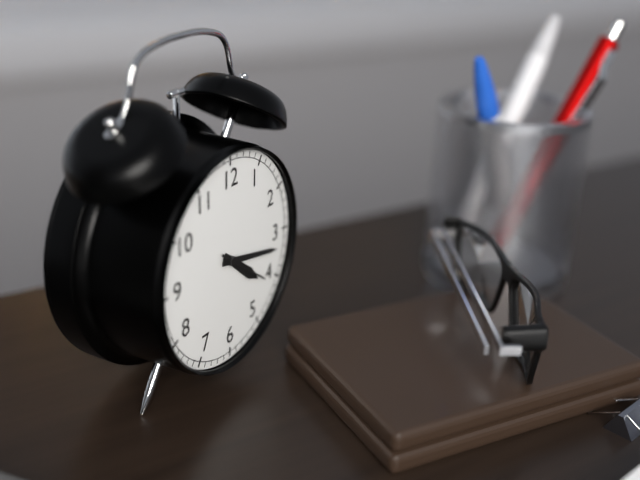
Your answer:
4 h 17 min
